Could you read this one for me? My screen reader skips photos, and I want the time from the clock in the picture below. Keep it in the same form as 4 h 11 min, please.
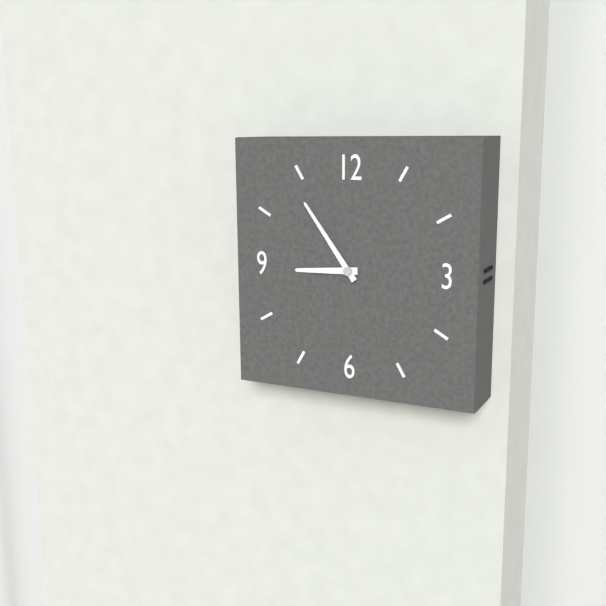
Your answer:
8 h 54 min
